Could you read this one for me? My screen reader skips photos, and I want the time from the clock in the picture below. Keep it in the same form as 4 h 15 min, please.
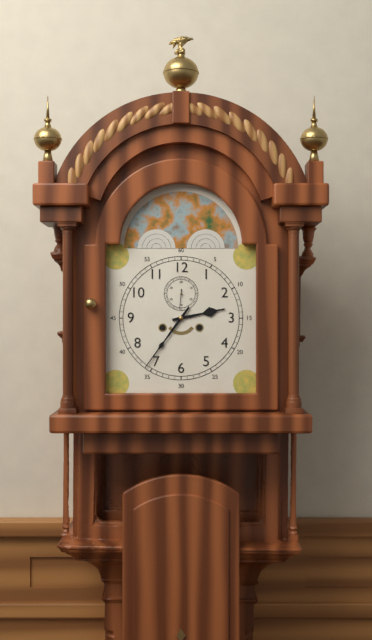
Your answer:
2 h 36 min
